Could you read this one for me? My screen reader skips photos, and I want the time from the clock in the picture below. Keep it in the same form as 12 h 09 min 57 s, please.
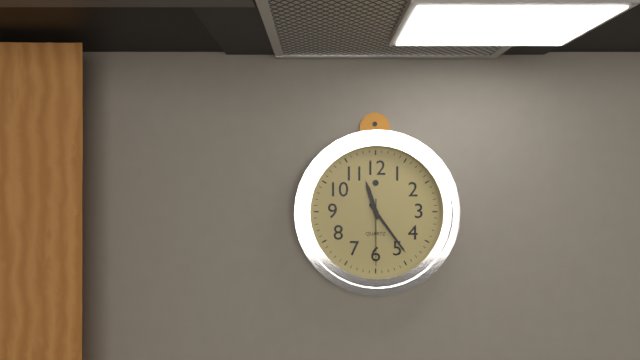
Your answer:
11 h 24 min 30 s
